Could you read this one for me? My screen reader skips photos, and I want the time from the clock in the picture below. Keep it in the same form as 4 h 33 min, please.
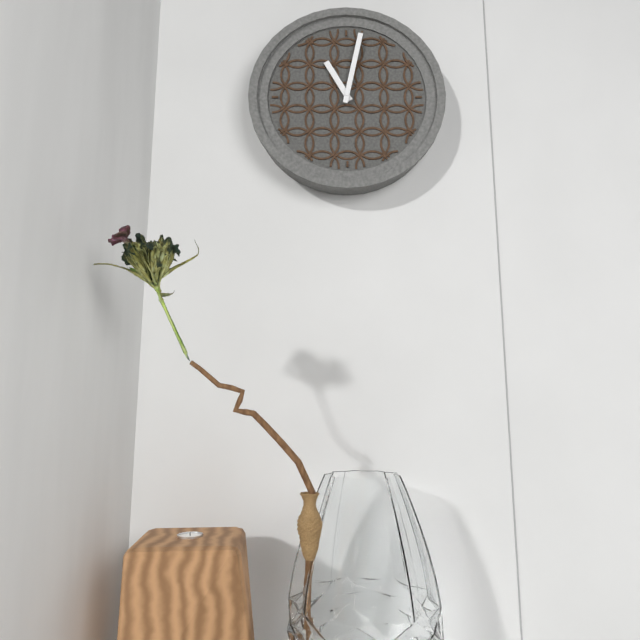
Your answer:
11 h 02 min
